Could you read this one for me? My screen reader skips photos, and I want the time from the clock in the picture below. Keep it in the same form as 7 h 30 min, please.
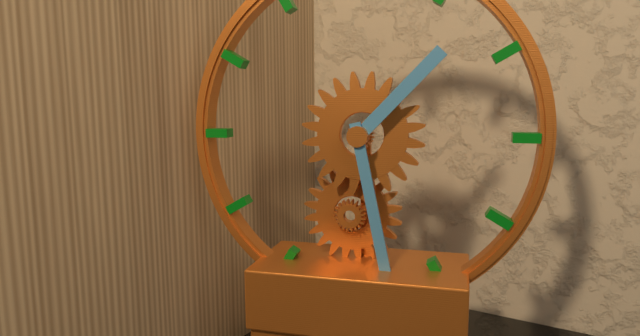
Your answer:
1 h 28 min
